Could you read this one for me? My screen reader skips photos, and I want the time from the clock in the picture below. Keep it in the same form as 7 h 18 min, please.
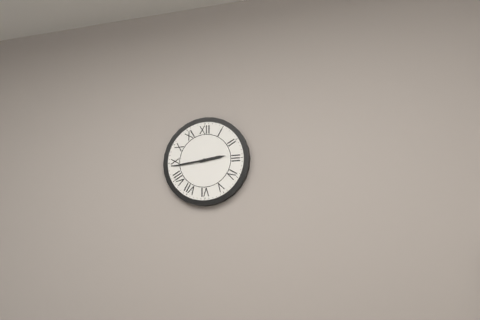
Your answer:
2 h 44 min
